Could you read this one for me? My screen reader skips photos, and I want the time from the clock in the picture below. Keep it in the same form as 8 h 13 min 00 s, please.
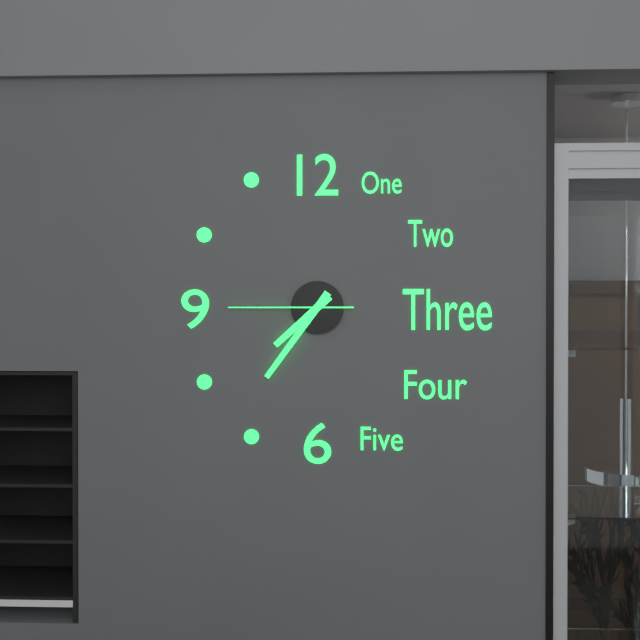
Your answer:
7 h 36 min 45 s
